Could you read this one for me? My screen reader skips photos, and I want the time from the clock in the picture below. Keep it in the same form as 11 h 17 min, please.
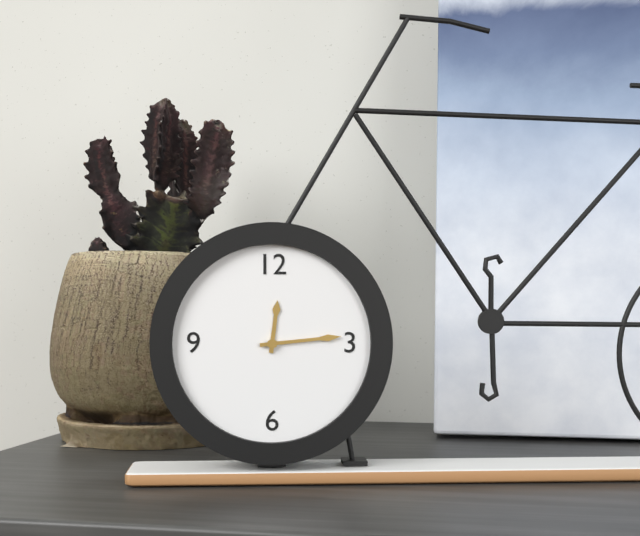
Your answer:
12 h 14 min
